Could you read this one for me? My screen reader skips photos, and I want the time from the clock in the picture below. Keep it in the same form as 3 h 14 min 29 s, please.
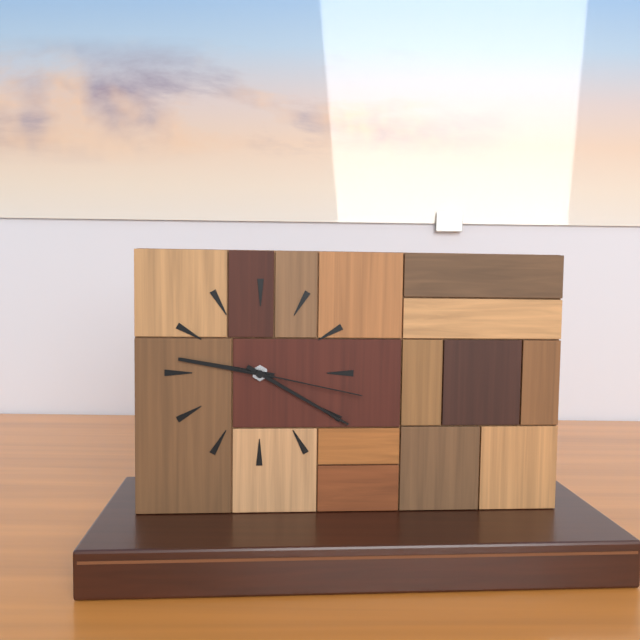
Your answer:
9 h 20 min 17 s
